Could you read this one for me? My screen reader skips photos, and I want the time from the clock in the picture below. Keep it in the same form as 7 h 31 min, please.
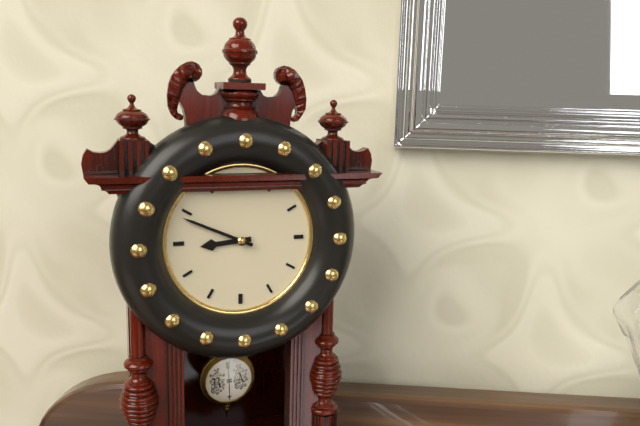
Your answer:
8 h 49 min
